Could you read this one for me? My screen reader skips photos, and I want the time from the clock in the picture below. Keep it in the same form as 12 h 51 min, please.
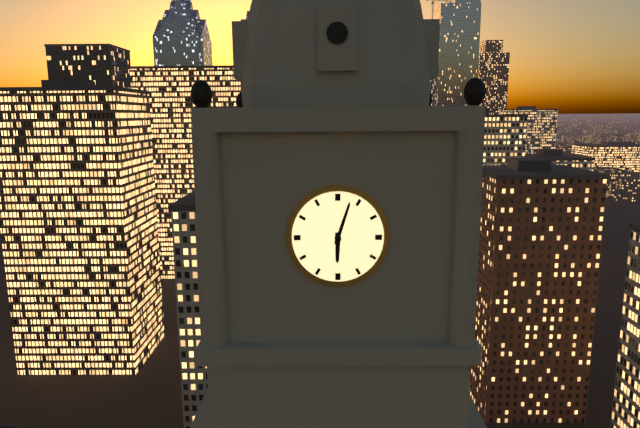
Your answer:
6 h 03 min
